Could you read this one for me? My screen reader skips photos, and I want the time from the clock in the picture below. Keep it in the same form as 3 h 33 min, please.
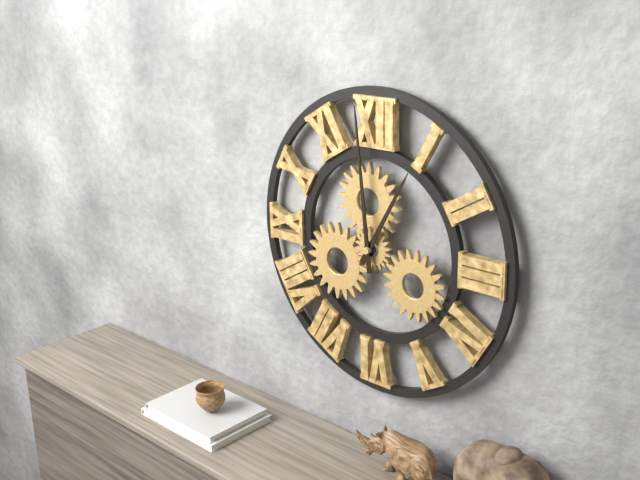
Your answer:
12 h 59 min
